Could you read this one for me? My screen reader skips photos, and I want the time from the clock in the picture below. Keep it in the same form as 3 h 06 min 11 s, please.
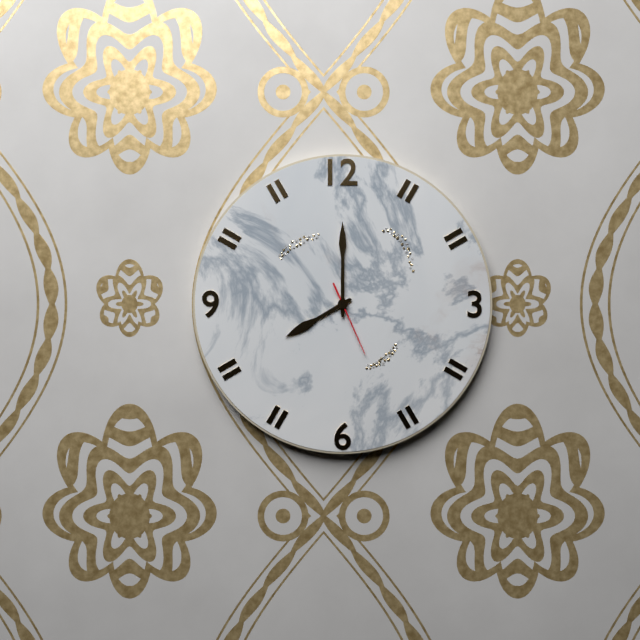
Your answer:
8 h 00 min 26 s
